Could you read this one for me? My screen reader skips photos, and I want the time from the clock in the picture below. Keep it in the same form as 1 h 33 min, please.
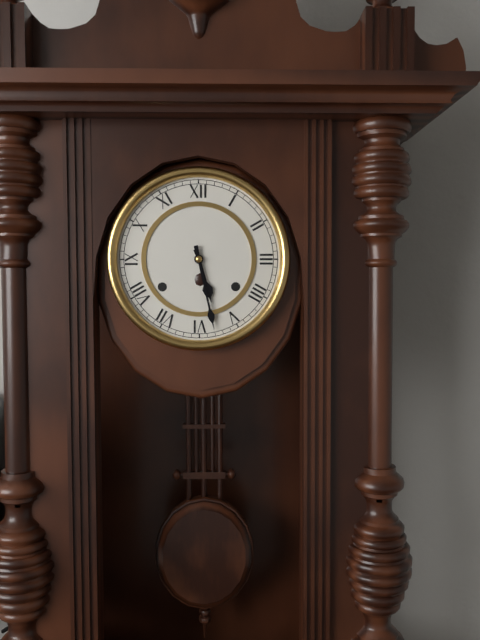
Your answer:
5 h 28 min
